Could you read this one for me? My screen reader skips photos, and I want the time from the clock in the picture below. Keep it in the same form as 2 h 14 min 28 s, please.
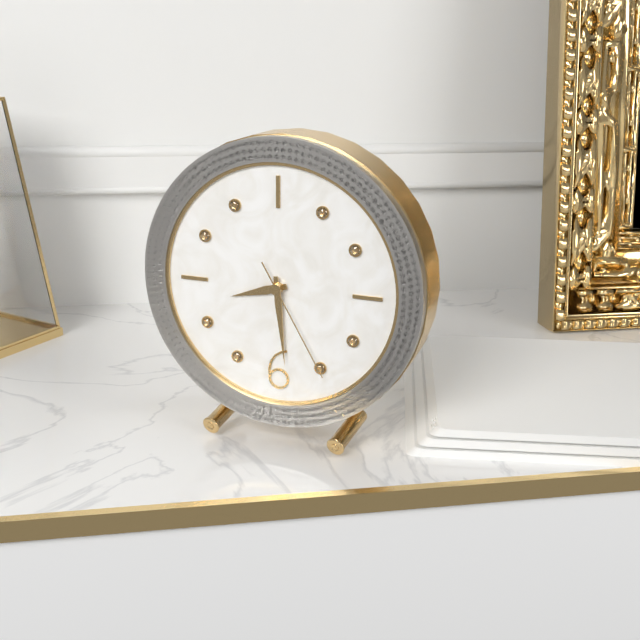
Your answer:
8 h 29 min 25 s
